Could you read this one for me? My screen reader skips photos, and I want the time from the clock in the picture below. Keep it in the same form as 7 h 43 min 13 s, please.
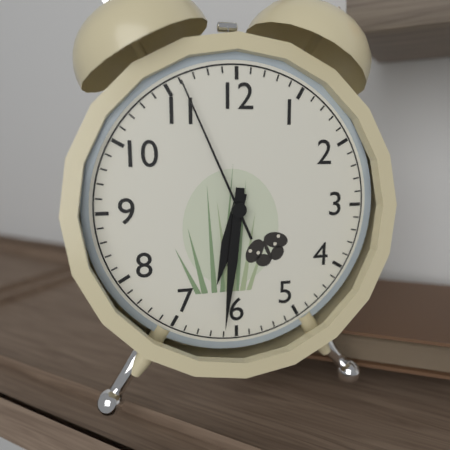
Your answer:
6 h 31 min 56 s
